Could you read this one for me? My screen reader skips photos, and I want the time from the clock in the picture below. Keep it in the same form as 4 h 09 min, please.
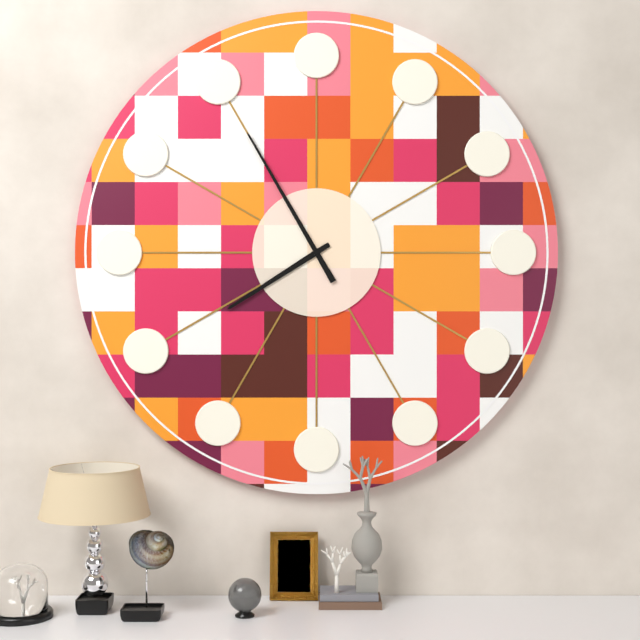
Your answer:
7 h 55 min
